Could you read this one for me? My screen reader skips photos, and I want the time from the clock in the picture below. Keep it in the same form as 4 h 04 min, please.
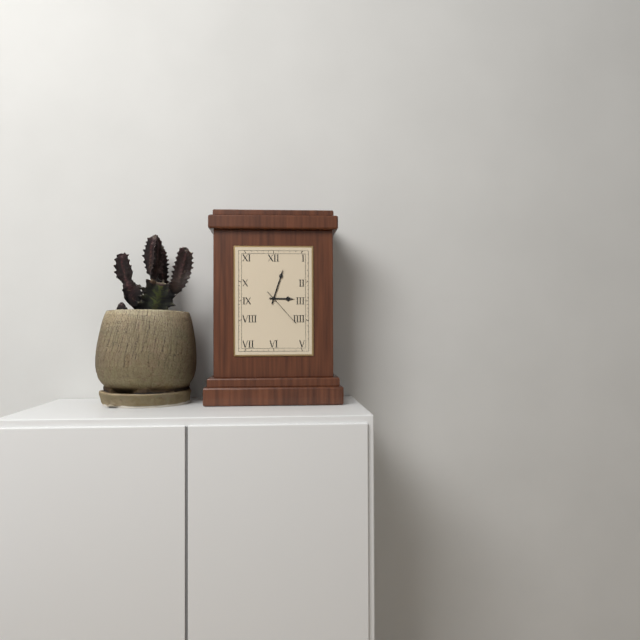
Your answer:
3 h 03 min
